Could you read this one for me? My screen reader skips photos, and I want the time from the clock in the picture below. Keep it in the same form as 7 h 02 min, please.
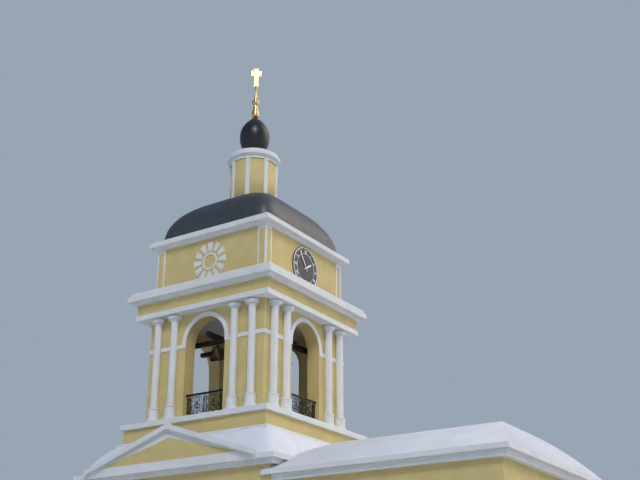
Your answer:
1 h 54 min
